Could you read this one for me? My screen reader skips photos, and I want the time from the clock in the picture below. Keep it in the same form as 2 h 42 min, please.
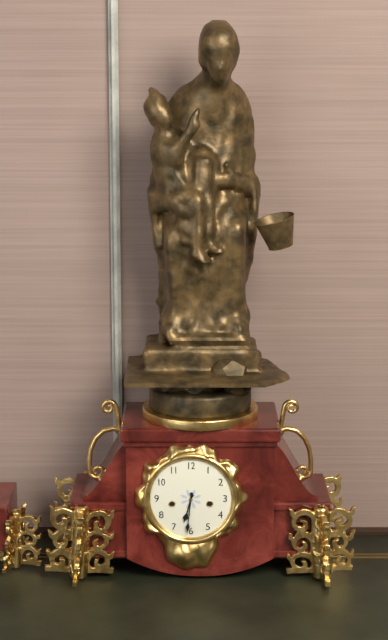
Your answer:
6 h 31 min
